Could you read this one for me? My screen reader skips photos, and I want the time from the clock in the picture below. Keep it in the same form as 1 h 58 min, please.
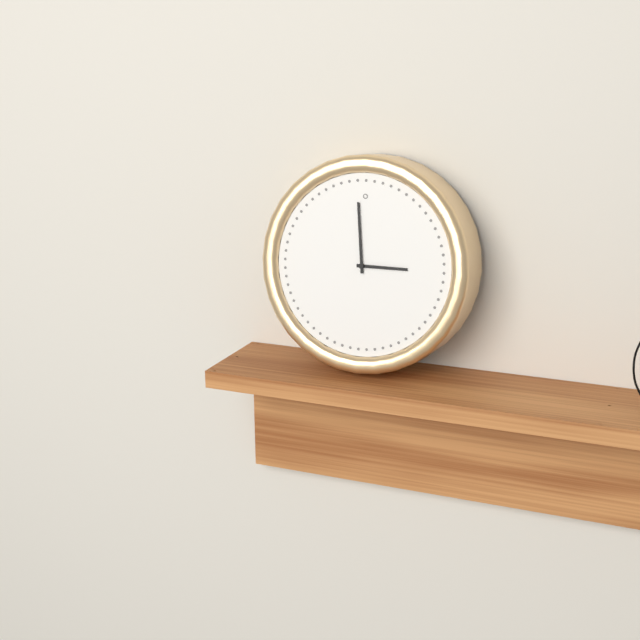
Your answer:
2 h 59 min
